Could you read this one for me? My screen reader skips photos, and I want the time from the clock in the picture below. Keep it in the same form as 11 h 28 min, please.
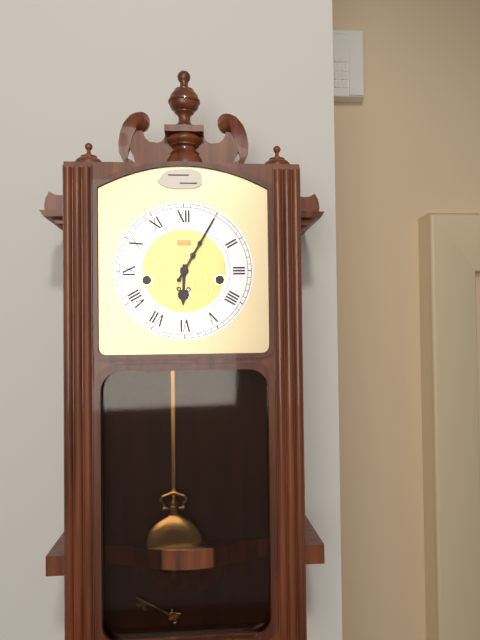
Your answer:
6 h 05 min
